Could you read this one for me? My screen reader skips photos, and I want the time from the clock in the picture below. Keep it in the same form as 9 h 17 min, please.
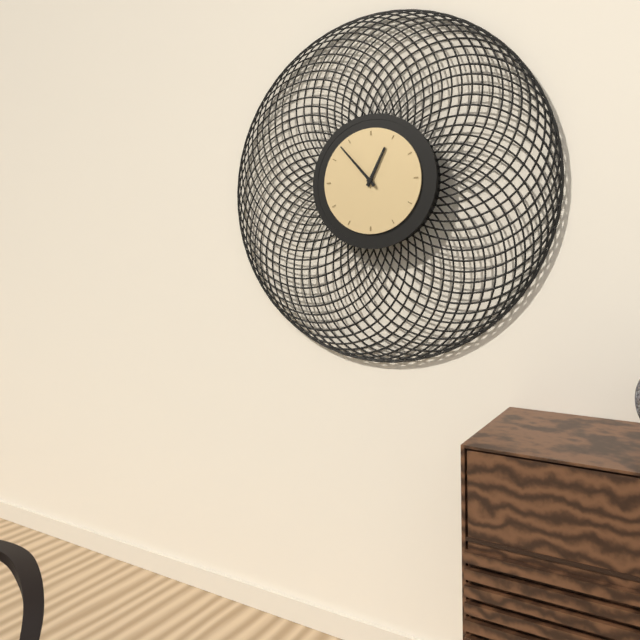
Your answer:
12 h 53 min
